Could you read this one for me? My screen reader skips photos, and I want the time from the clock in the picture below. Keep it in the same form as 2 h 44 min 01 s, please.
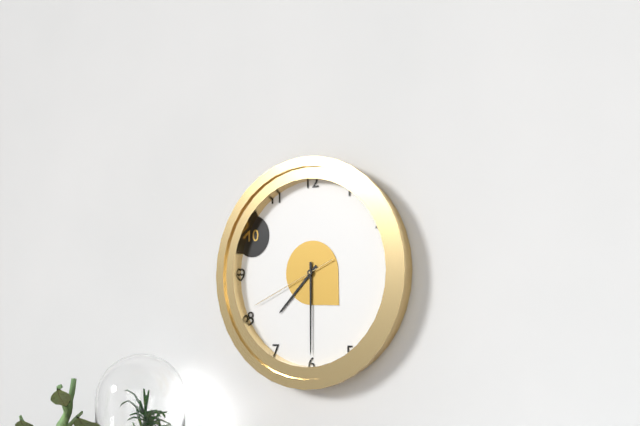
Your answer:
7 h 30 min 41 s
